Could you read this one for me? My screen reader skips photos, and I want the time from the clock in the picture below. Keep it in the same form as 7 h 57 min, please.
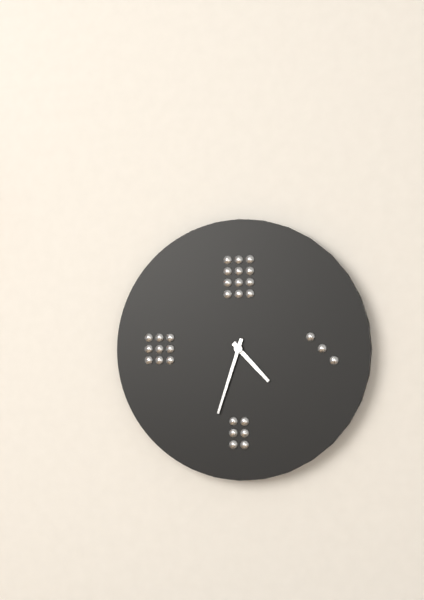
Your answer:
4 h 33 min
